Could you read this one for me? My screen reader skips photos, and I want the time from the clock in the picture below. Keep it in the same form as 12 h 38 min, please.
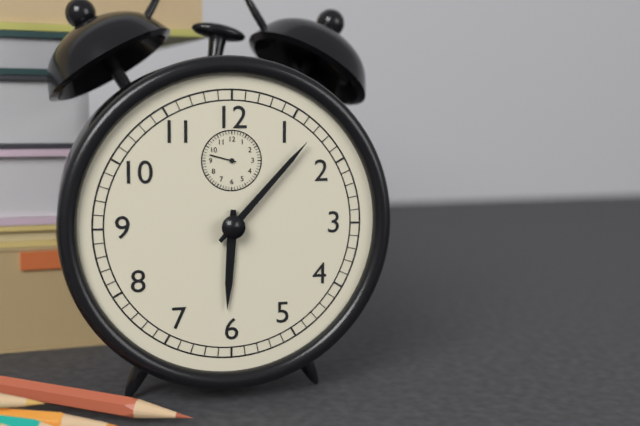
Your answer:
6 h 07 min
